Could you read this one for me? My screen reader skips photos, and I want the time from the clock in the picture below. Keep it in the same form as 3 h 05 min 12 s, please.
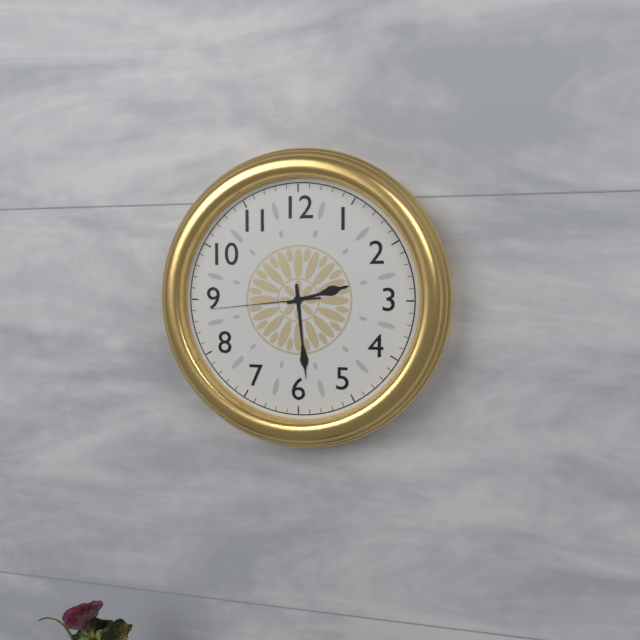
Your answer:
2 h 29 min 44 s
